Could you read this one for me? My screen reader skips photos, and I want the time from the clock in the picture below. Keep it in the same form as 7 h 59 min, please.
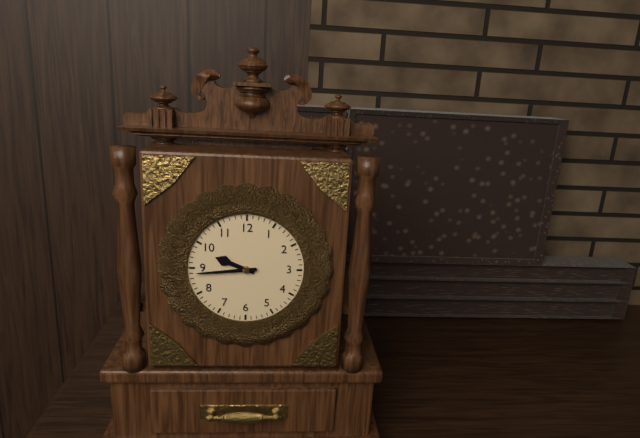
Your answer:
9 h 44 min
